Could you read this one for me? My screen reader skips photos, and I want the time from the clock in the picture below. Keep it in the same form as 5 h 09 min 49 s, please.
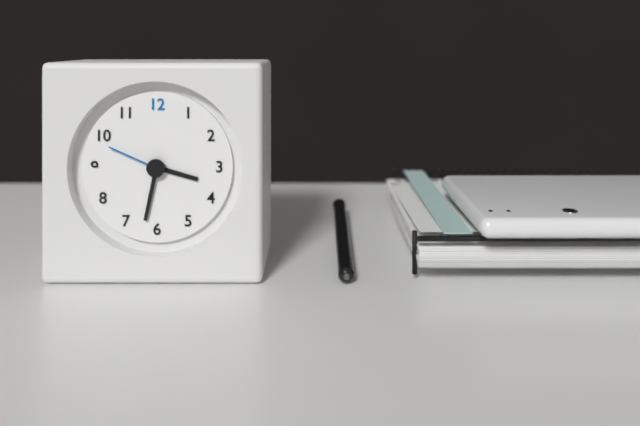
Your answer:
3 h 32 min 49 s
